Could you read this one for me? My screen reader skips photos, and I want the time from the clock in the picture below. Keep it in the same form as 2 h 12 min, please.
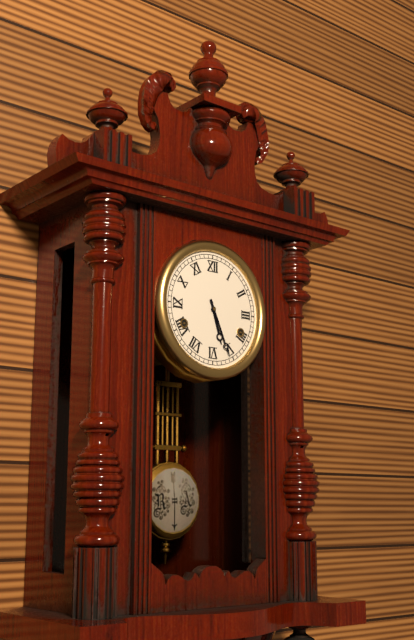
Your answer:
5 h 26 min
